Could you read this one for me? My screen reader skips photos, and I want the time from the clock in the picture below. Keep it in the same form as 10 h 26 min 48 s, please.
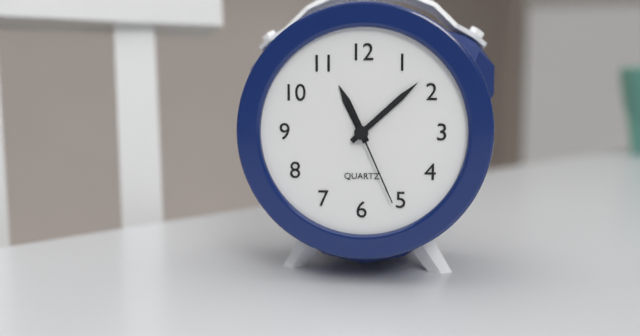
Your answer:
11 h 08 min 26 s
